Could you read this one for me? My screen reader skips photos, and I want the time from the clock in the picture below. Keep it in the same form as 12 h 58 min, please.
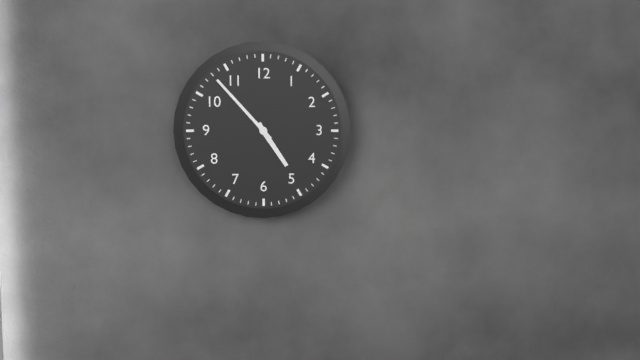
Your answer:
4 h 53 min
